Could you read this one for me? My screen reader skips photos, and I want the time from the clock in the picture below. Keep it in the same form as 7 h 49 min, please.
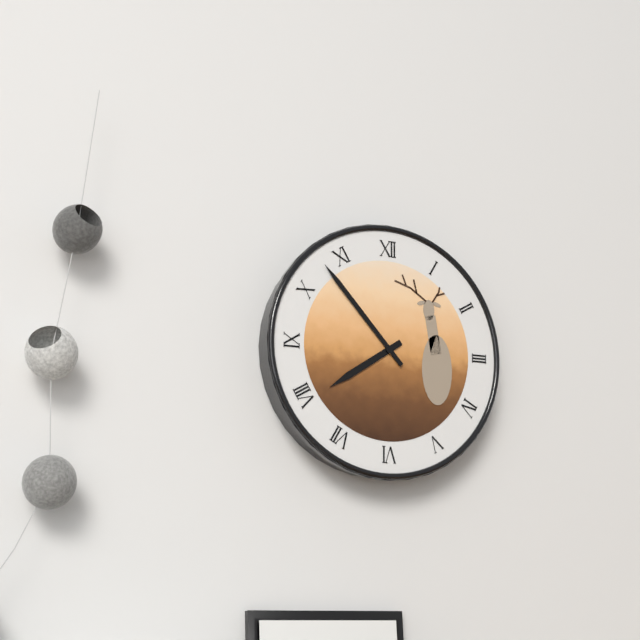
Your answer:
7 h 53 min
